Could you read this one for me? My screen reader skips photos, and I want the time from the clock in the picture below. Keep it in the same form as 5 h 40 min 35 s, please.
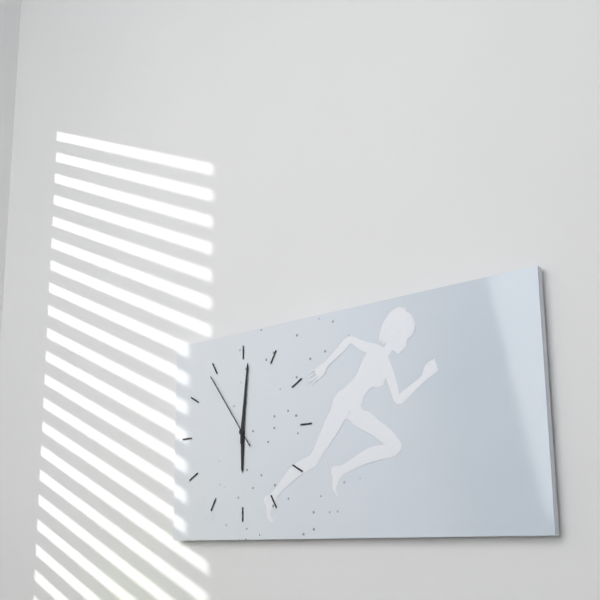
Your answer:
6 h 01 min 54 s
